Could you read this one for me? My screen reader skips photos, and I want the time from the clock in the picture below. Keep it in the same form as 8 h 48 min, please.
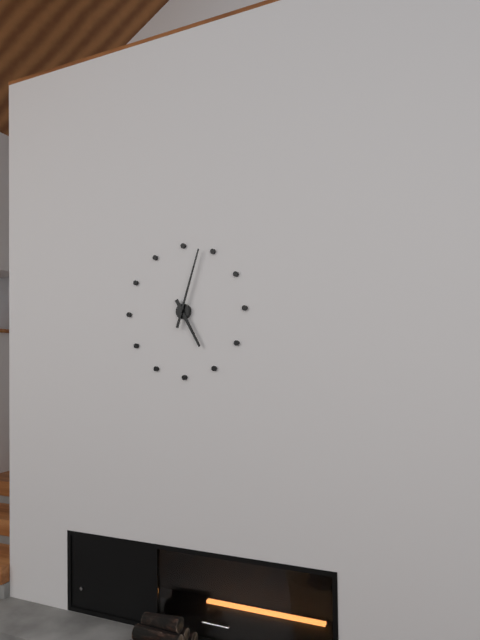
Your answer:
5 h 03 min
